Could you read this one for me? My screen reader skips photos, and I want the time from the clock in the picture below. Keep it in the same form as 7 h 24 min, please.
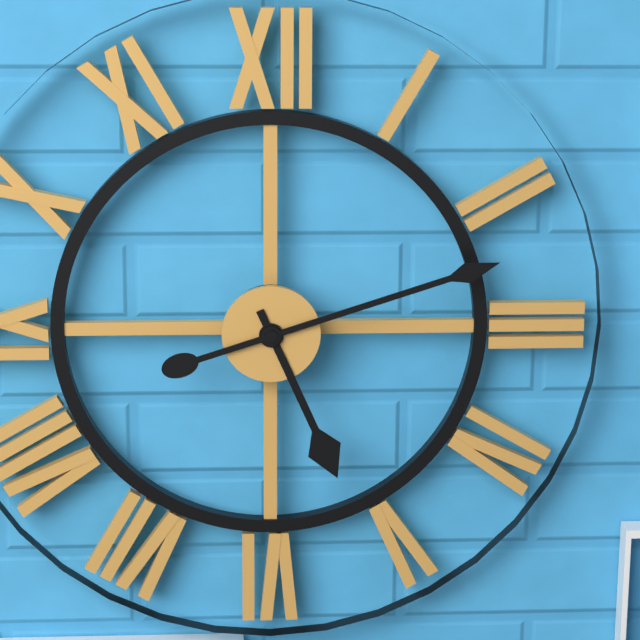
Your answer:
5 h 12 min
